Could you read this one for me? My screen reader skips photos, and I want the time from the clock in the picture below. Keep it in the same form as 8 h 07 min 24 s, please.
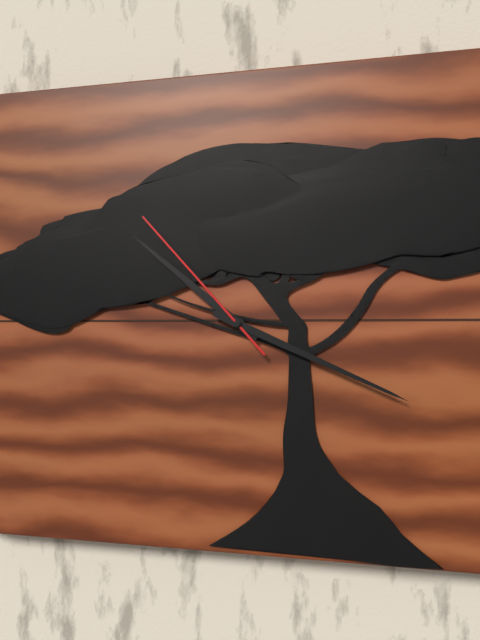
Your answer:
10 h 19 min 53 s
